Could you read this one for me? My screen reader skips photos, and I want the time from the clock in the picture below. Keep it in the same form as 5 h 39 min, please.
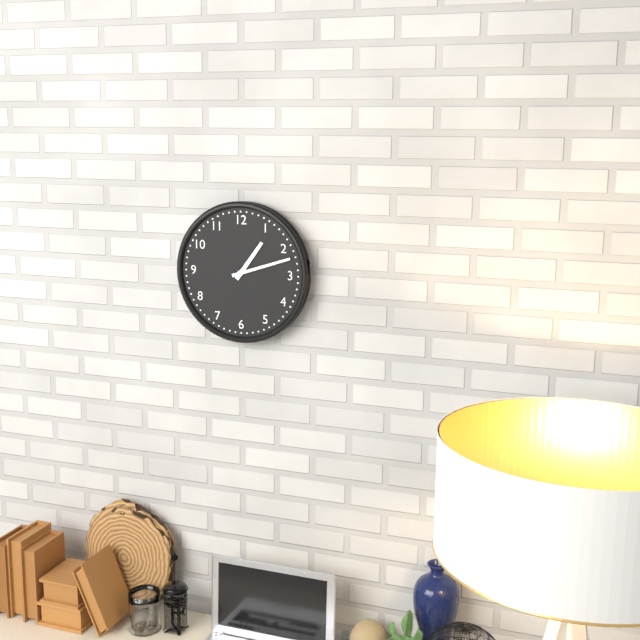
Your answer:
1 h 12 min
